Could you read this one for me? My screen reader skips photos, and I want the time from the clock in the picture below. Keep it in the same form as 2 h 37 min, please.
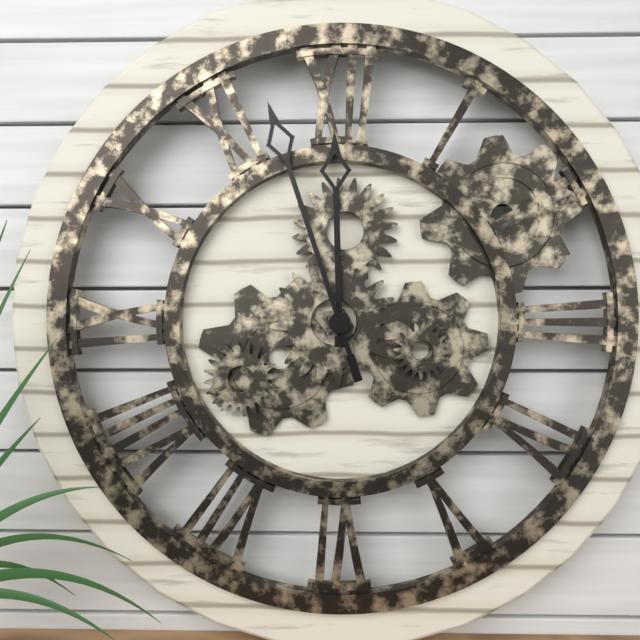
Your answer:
11 h 57 min
